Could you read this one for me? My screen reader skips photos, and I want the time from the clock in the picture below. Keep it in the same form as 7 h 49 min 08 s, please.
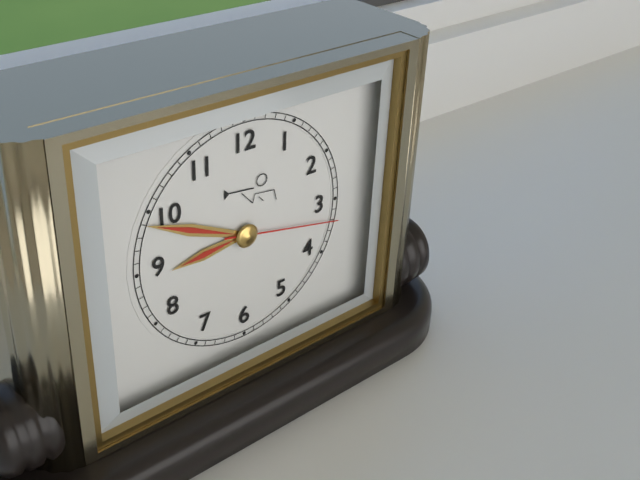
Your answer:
8 h 49 min 17 s
